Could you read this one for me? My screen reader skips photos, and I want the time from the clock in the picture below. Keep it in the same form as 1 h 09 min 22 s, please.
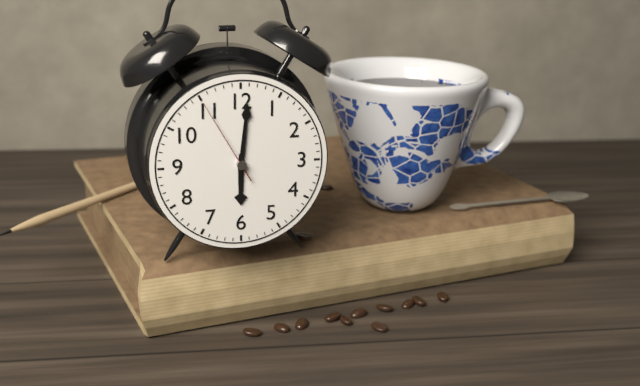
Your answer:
6 h 01 min 55 s
